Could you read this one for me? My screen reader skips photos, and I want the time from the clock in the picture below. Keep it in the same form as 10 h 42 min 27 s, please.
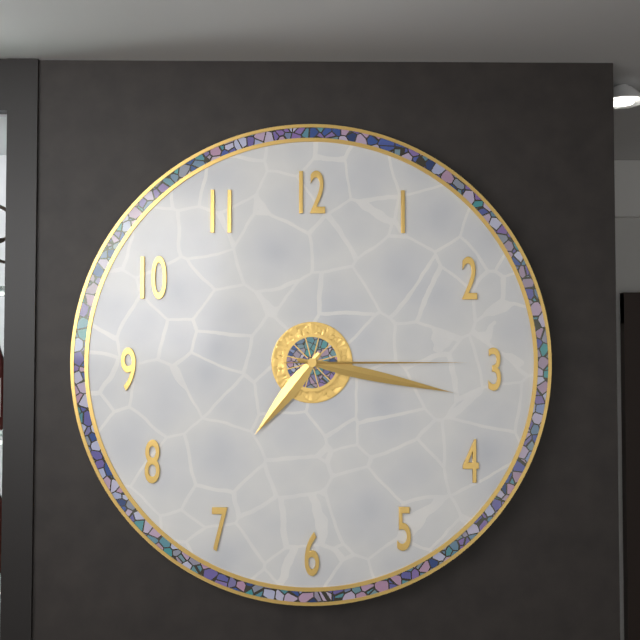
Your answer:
7 h 17 min 15 s
